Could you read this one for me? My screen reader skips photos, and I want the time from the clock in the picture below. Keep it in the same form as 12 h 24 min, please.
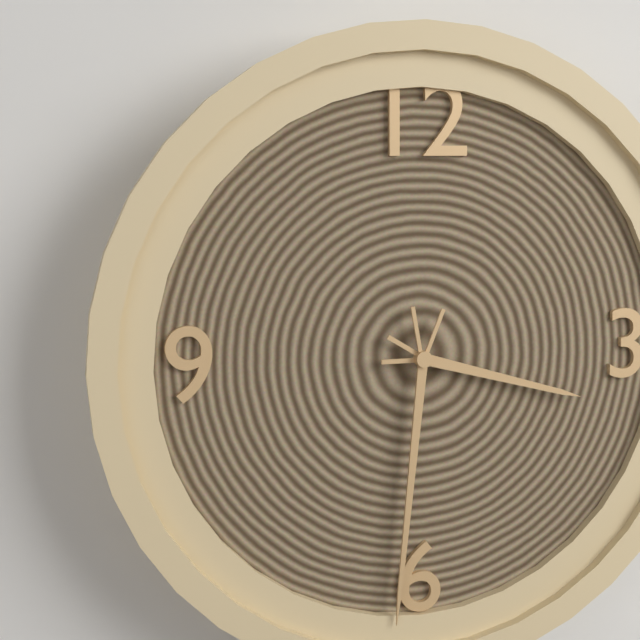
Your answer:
3 h 31 min
